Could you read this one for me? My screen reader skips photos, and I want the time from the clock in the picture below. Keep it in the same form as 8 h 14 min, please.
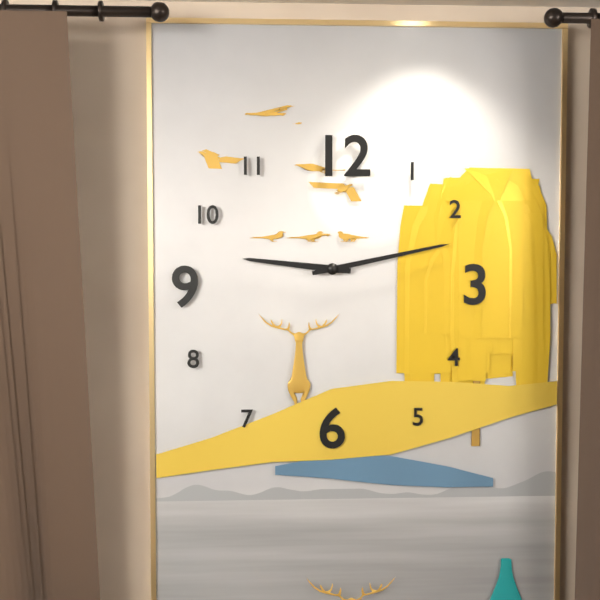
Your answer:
9 h 13 min
